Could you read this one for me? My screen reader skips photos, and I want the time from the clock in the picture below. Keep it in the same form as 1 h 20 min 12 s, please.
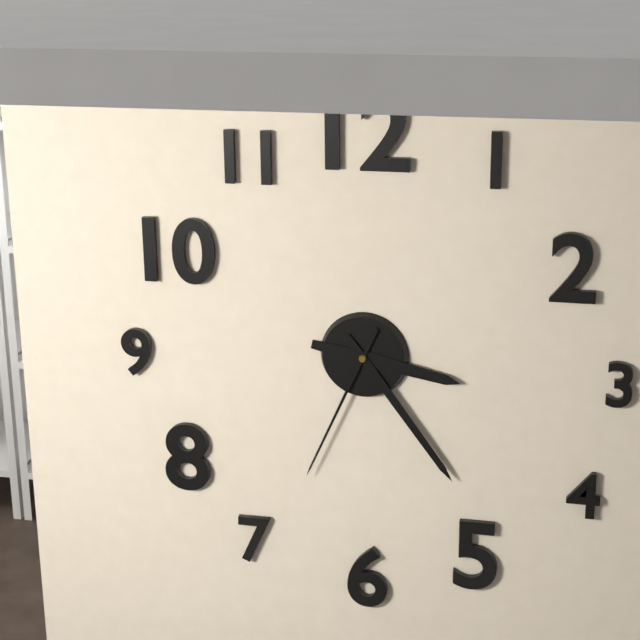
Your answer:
3 h 24 min 34 s
